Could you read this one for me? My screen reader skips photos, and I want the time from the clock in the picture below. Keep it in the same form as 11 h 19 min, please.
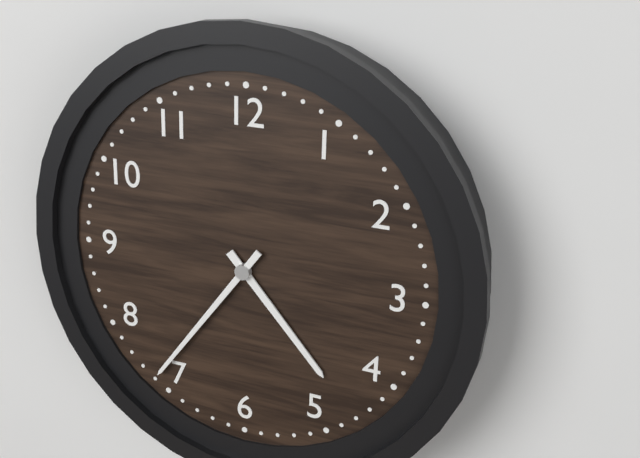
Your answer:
4 h 36 min
